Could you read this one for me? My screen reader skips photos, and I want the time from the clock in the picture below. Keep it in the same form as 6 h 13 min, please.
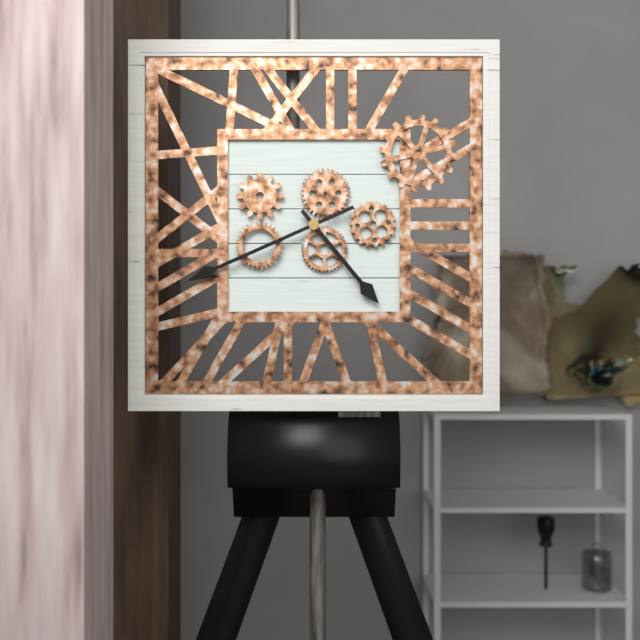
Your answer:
4 h 41 min
